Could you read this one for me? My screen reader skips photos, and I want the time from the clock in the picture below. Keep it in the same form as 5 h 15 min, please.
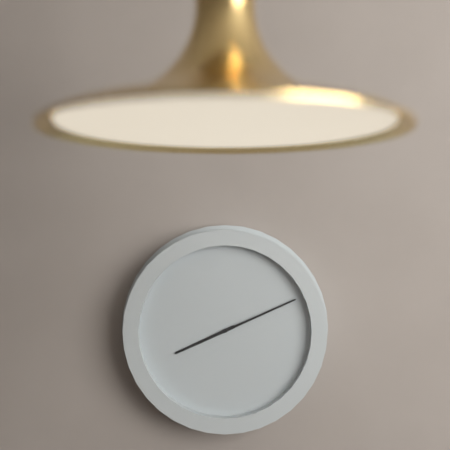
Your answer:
8 h 11 min
